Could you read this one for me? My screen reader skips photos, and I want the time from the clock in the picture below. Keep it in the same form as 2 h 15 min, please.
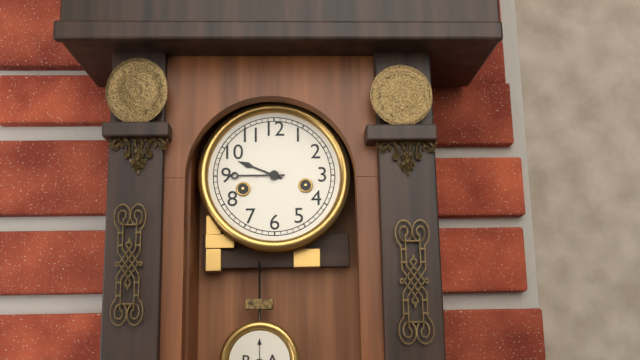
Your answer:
9 h 45 min
